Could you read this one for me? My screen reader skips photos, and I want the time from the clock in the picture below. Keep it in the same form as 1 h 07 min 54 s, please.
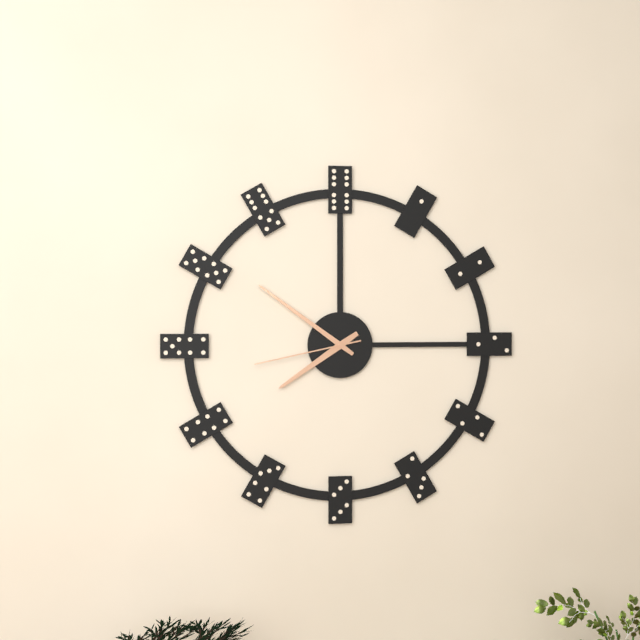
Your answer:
7 h 51 min 43 s
